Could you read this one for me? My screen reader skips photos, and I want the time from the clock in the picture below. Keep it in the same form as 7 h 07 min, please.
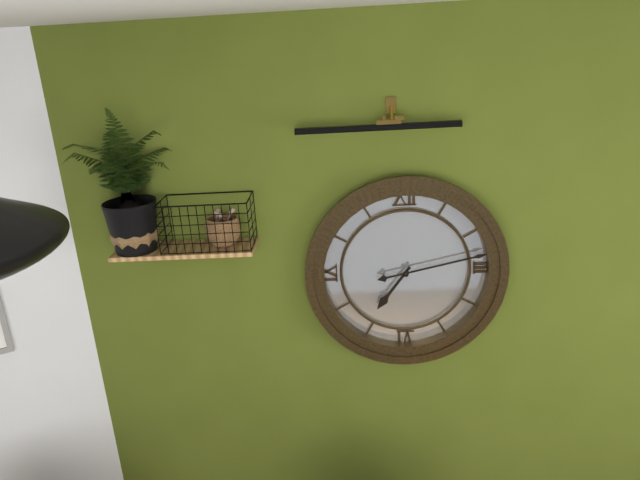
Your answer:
7 h 13 min
